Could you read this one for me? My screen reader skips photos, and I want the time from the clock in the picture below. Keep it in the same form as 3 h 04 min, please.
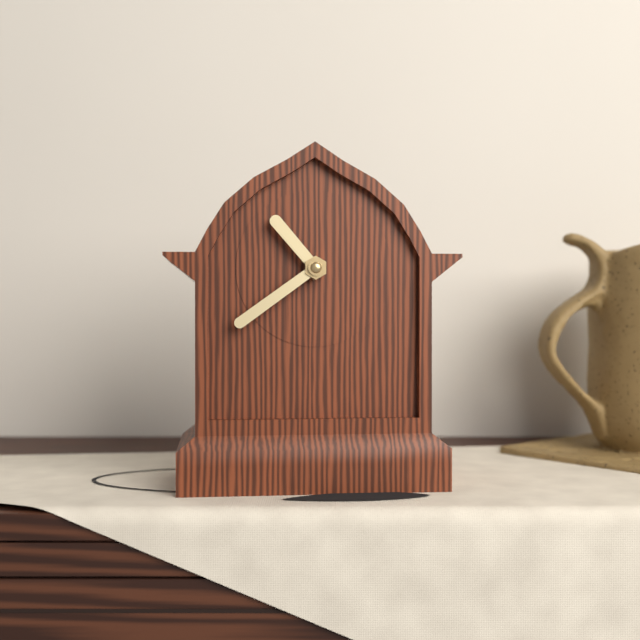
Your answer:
10 h 39 min
